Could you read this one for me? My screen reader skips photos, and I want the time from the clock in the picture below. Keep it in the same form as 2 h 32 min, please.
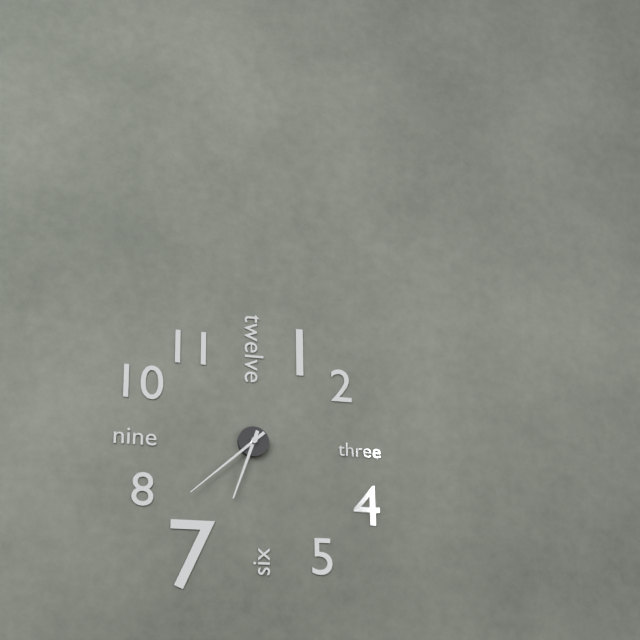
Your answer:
6 h 38 min
